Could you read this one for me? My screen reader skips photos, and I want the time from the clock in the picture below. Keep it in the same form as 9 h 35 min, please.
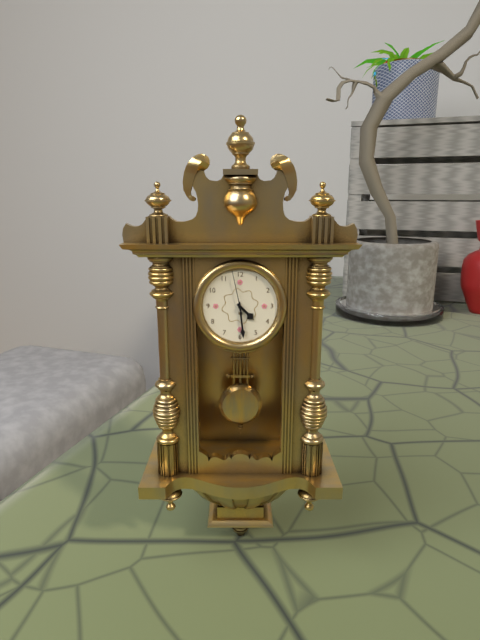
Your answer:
4 h 29 min
